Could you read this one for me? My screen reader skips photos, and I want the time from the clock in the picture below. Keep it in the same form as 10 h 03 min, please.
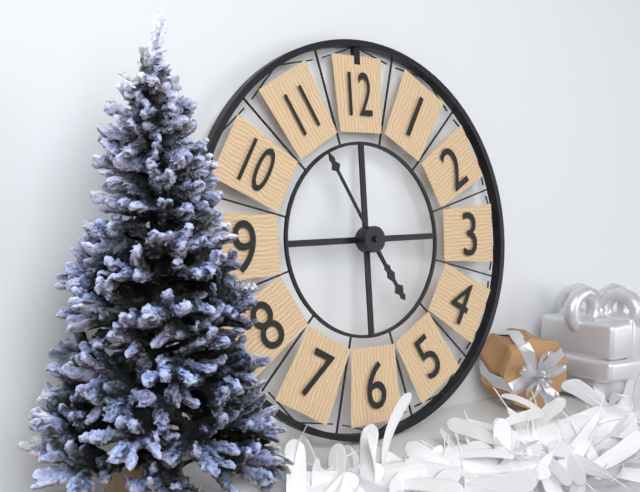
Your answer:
4 h 55 min
